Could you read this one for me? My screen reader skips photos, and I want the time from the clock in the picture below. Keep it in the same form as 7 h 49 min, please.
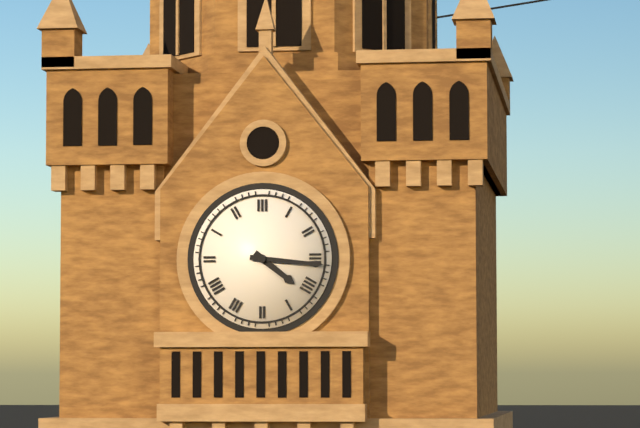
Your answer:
4 h 16 min
